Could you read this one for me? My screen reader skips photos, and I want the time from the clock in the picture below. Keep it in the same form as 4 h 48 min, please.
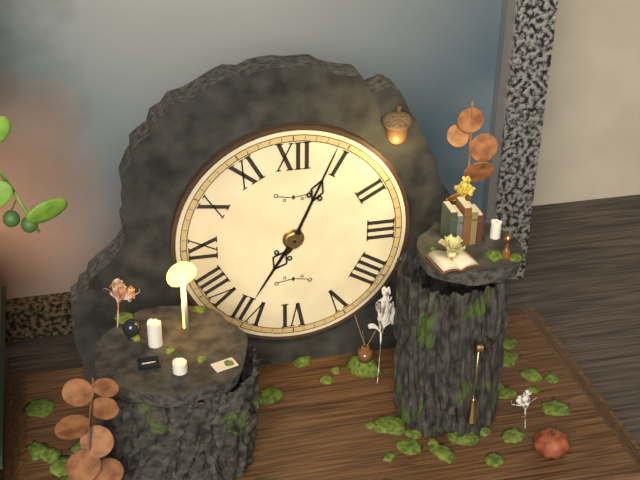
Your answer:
7 h 04 min
